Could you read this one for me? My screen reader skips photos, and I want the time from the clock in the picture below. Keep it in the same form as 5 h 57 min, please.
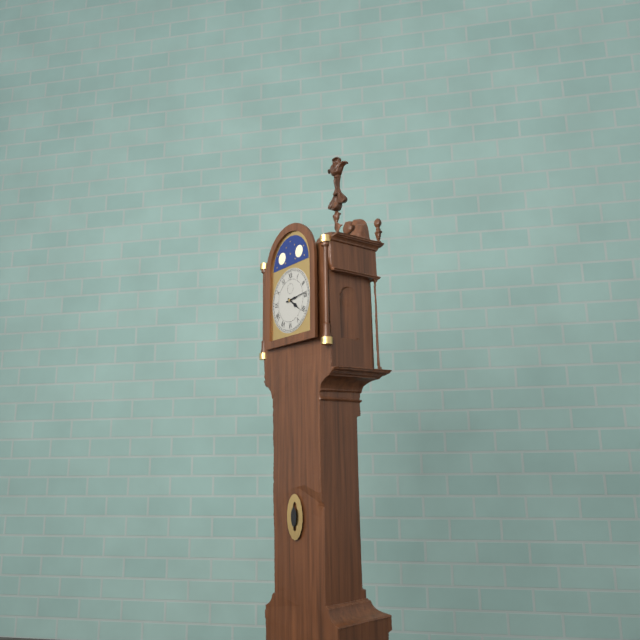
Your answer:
4 h 14 min
